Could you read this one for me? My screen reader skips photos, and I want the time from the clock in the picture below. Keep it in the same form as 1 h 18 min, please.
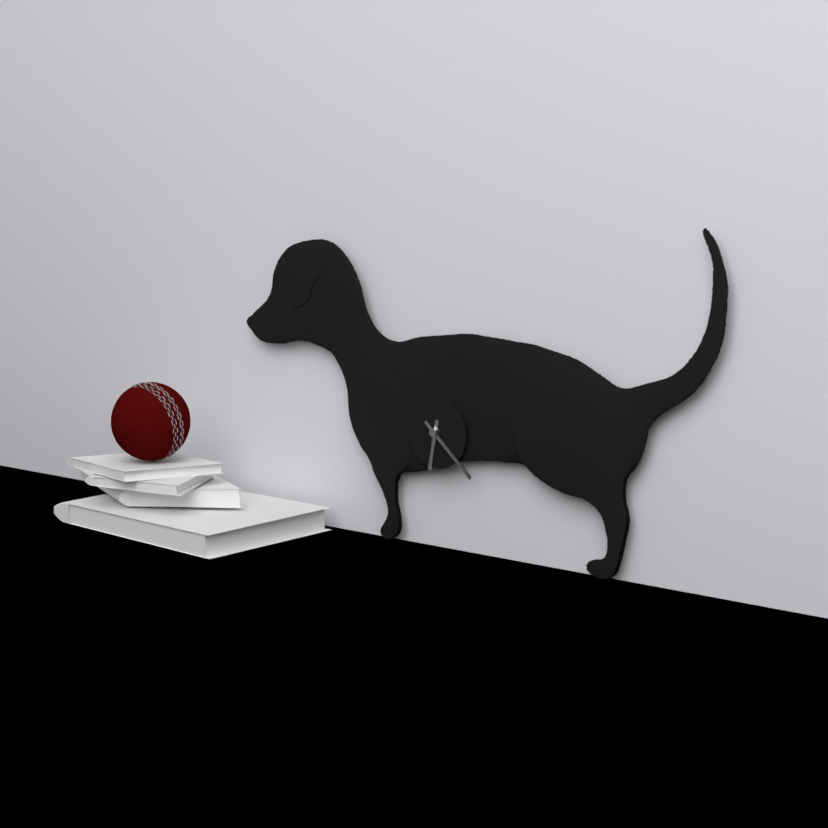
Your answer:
6 h 22 min
